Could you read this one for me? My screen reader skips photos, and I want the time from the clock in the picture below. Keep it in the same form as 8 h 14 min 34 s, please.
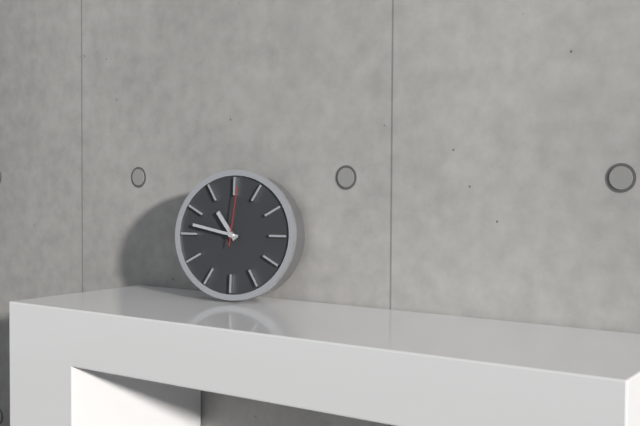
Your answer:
10 h 47 min 01 s
